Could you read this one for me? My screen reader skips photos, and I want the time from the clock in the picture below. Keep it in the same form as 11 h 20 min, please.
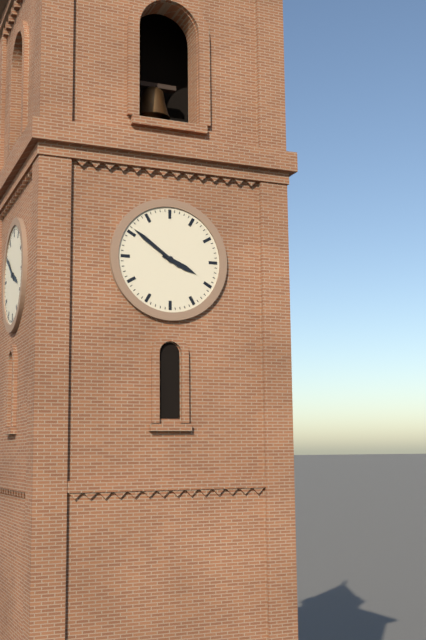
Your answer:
3 h 51 min
